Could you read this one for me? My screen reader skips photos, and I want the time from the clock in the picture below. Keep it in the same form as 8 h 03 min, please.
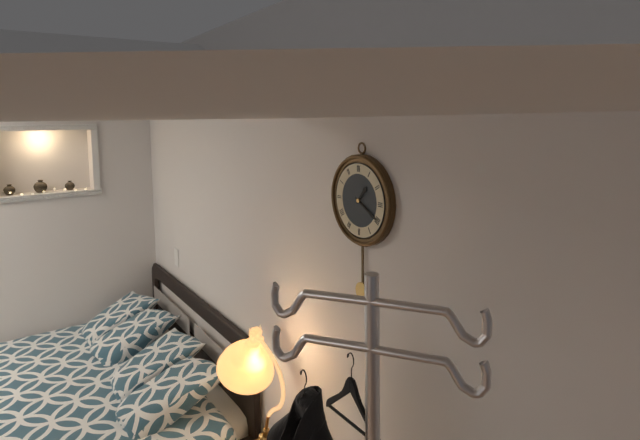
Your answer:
1 h 20 min
